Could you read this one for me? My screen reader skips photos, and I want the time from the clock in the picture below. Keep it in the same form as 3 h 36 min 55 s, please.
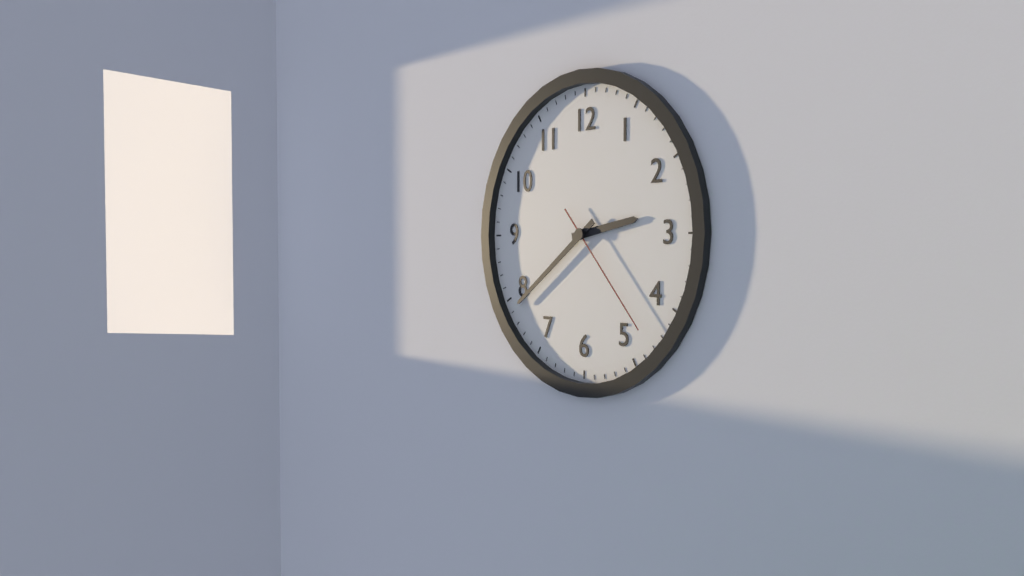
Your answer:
2 h 39 min 23 s
